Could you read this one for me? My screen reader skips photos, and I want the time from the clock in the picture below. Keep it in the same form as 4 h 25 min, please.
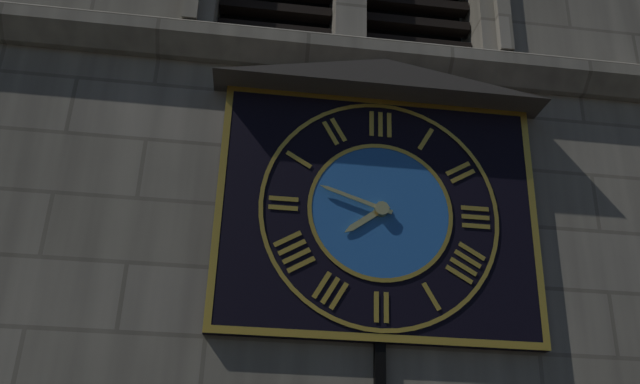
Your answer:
7 h 48 min
